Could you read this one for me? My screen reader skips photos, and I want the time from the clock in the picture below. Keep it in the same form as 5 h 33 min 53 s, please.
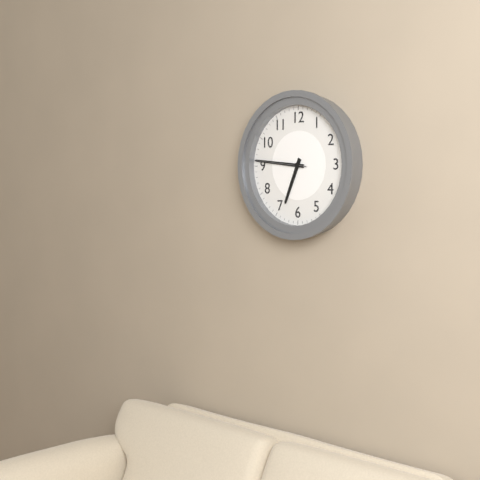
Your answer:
6 h 46 min 46 s
